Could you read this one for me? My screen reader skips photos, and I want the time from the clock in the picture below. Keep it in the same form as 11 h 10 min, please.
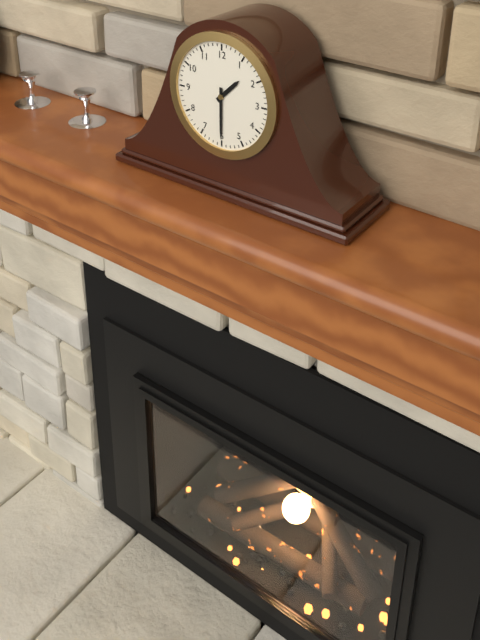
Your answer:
1 h 30 min
